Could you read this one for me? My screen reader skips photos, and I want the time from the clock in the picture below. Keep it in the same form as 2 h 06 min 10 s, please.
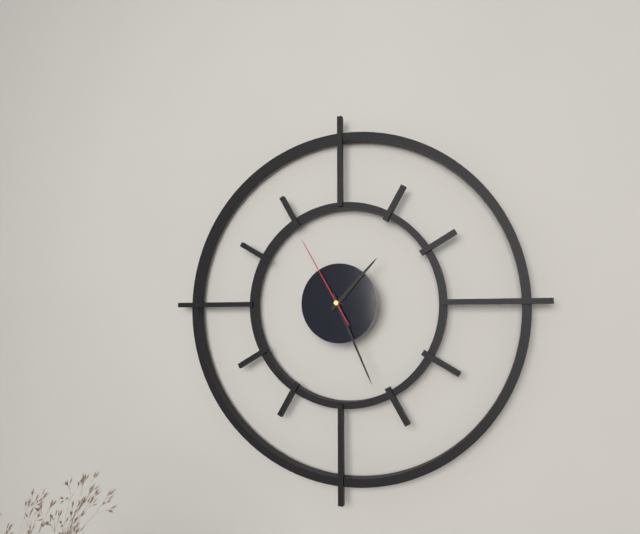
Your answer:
1 h 26 min 55 s
